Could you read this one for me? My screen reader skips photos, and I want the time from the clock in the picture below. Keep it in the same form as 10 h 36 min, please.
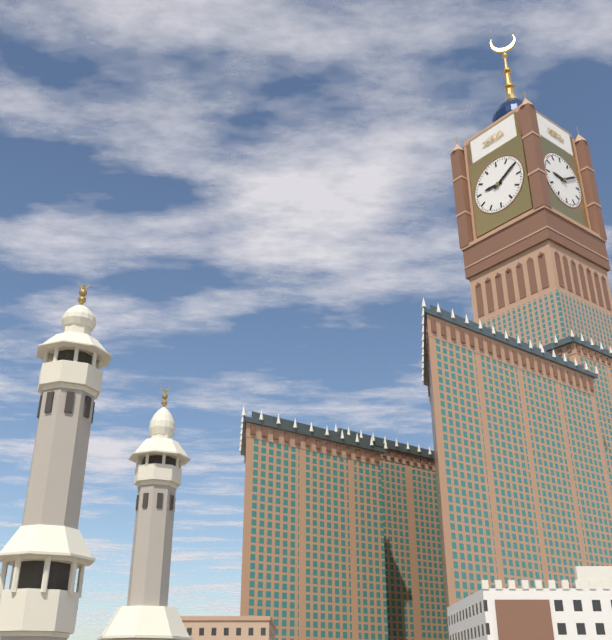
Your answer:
9 h 10 min
